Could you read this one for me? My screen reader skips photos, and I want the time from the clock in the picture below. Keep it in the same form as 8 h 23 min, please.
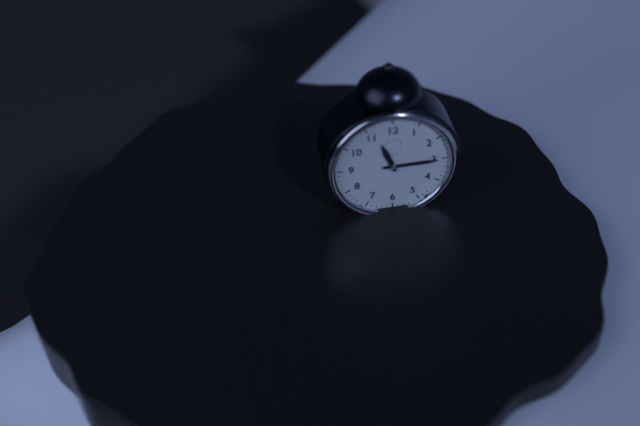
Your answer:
11 h 15 min
